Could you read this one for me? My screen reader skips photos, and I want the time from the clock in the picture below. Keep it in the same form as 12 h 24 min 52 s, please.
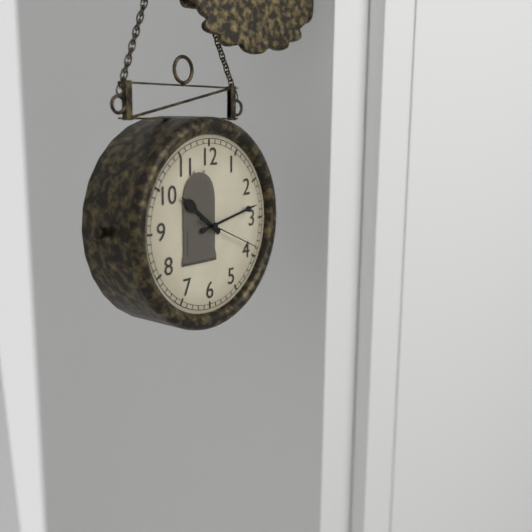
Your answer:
10 h 13 min 19 s
